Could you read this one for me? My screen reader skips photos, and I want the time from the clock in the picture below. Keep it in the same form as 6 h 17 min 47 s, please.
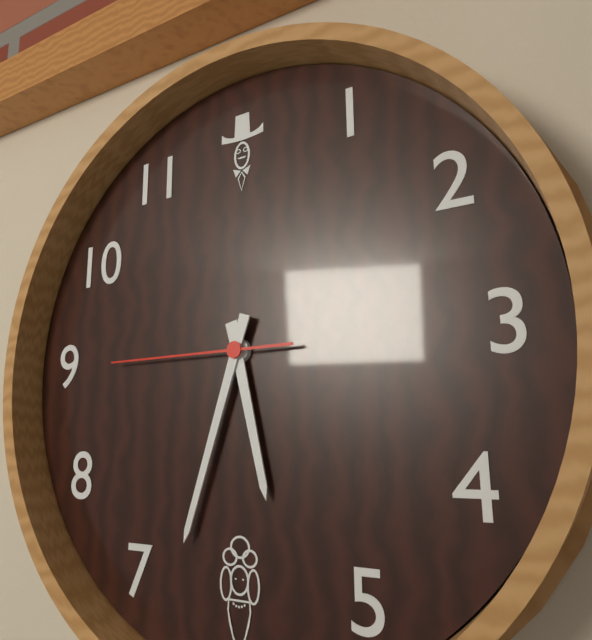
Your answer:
5 h 33 min 45 s
